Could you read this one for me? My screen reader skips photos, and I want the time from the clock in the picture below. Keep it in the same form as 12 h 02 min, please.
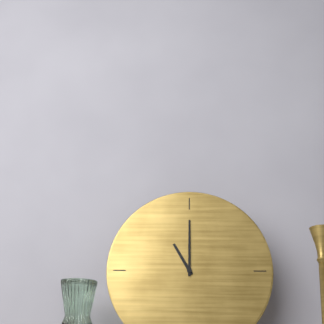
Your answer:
11 h 00 min
